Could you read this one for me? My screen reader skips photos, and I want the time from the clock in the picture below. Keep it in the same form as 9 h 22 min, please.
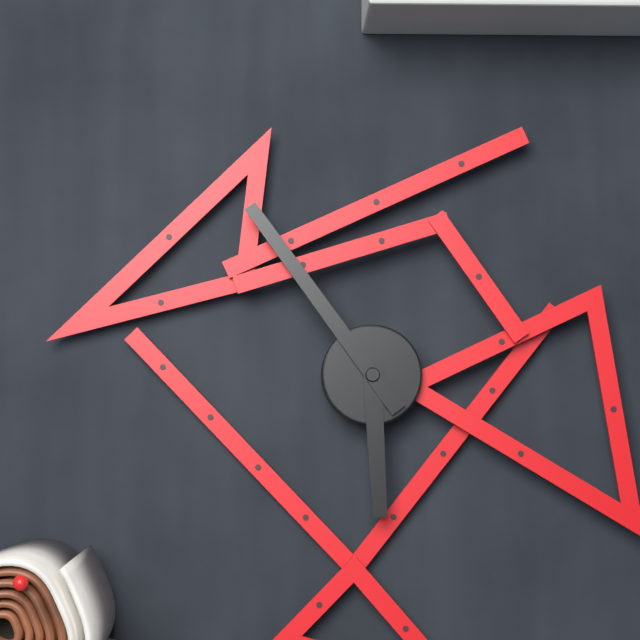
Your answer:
5 h 54 min
